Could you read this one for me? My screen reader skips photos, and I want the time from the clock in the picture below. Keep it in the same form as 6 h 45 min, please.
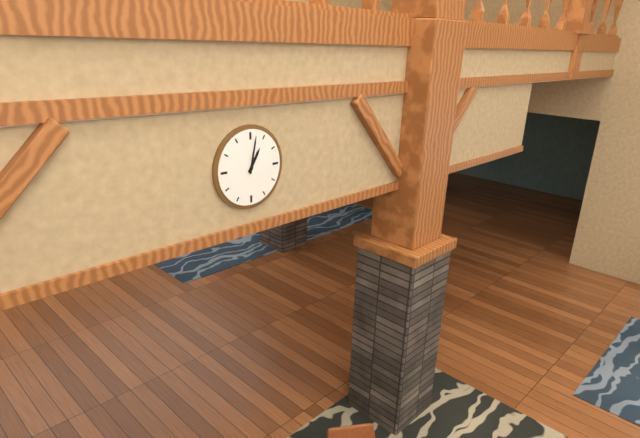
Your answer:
1 h 02 min
